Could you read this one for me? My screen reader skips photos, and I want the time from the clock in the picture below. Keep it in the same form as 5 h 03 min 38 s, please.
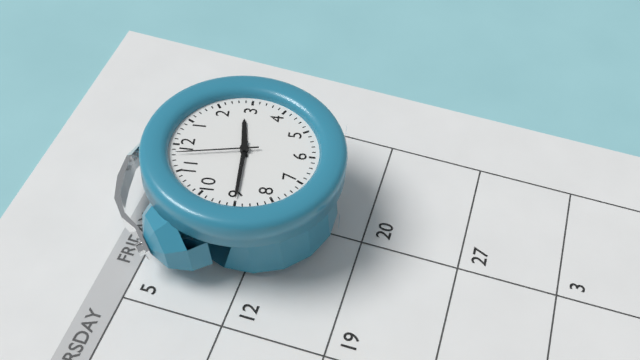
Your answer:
2 h 45 min 58 s
